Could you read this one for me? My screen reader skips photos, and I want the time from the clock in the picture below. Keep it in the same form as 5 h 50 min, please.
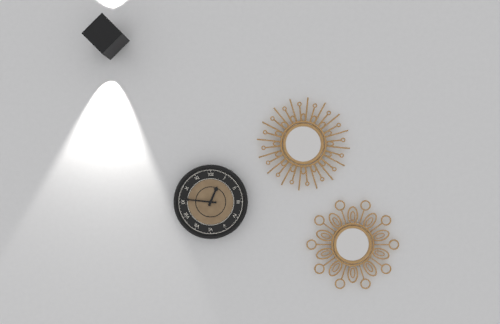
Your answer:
12 h 46 min
